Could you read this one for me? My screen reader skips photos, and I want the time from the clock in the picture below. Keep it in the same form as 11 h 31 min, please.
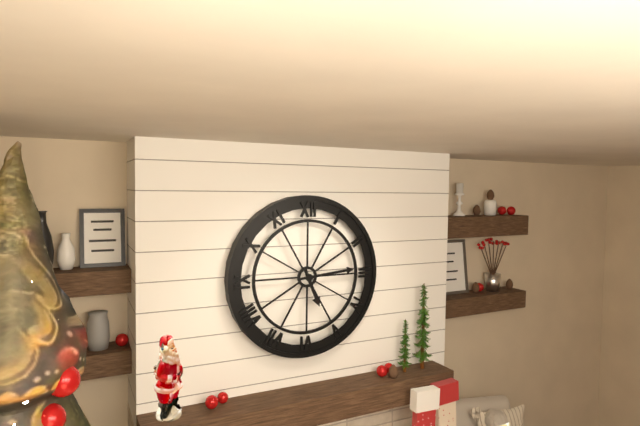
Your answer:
5 h 14 min
